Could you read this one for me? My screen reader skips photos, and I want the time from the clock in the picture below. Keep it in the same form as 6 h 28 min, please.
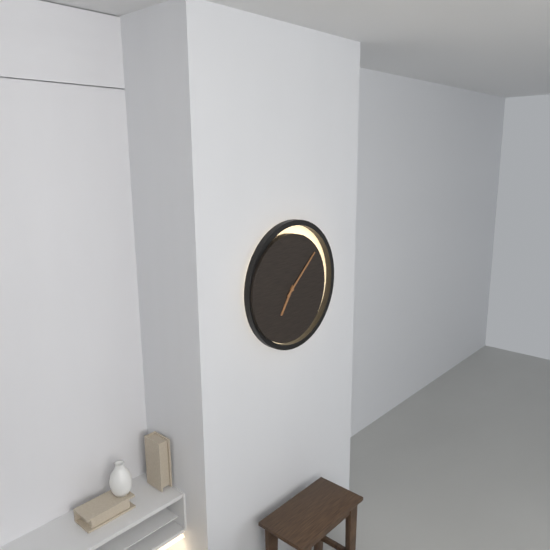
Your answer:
7 h 08 min
